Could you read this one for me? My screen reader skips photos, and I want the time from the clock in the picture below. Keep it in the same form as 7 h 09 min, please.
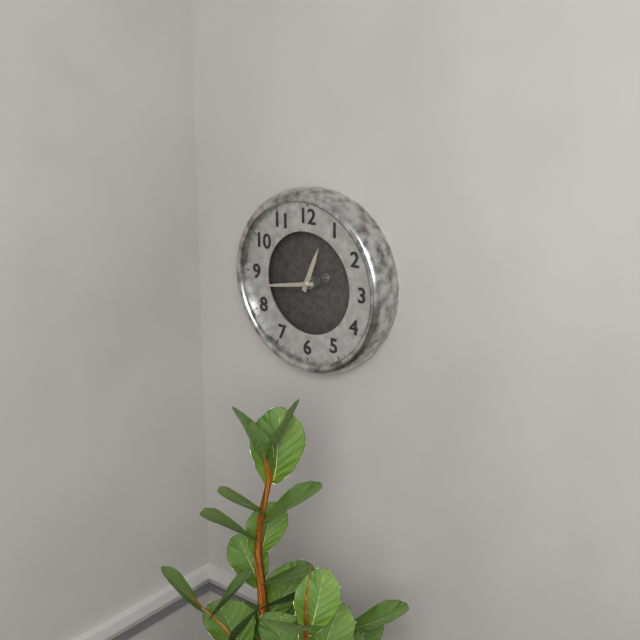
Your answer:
12 h 43 min
